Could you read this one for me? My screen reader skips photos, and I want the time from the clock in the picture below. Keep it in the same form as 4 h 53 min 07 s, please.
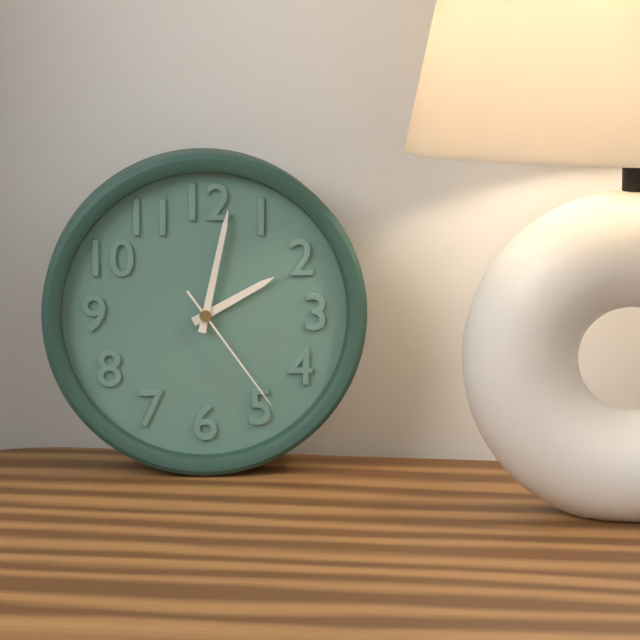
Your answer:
2 h 02 min 24 s
